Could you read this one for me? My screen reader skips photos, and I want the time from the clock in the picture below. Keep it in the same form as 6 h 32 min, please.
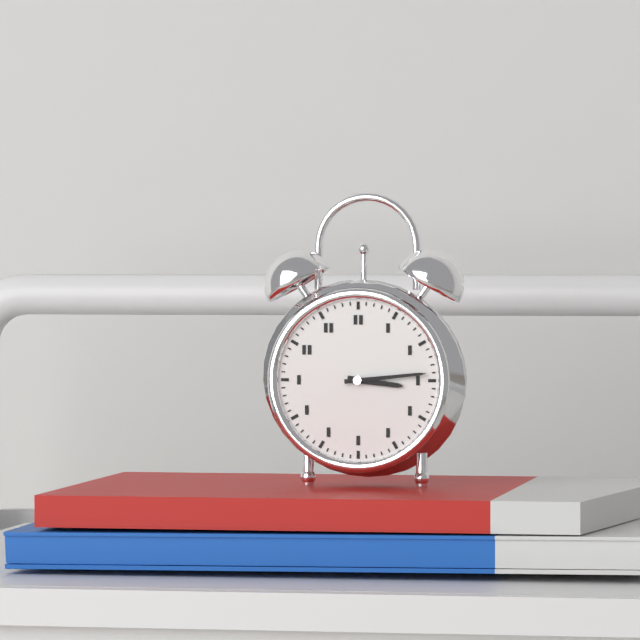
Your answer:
3 h 14 min
